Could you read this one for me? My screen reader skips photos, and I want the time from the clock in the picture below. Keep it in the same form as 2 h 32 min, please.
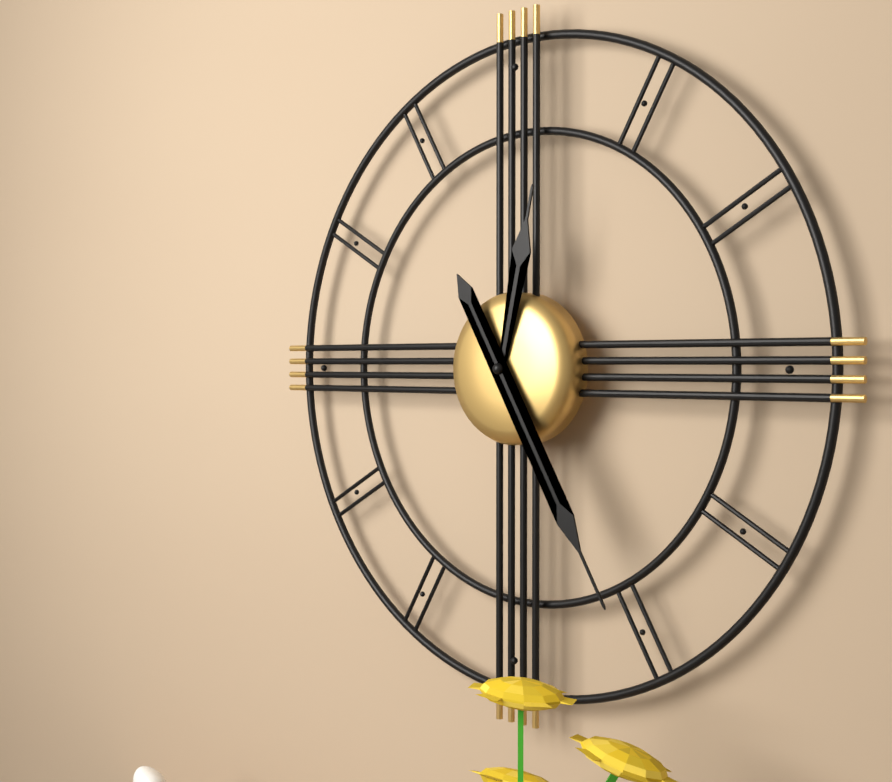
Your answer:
12 h 25 min
